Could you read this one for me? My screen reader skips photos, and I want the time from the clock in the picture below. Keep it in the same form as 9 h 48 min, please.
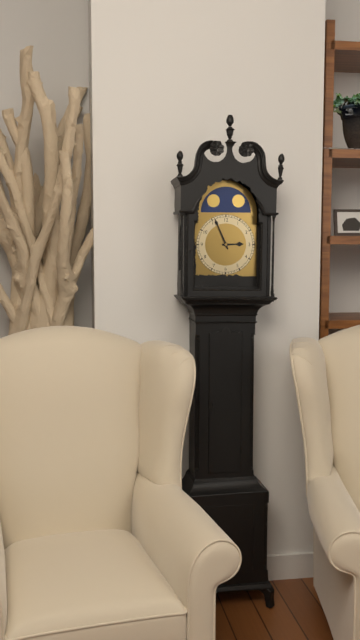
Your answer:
2 h 56 min
